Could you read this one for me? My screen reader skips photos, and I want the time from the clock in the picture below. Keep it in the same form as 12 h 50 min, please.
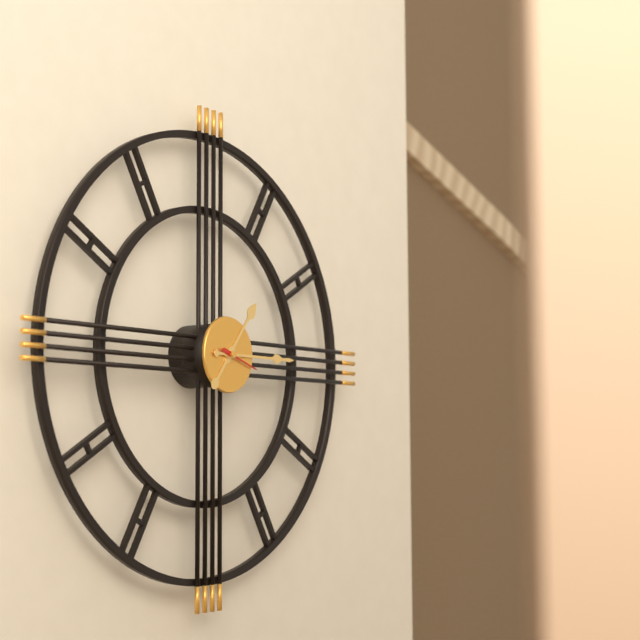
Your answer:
1 h 15 min
